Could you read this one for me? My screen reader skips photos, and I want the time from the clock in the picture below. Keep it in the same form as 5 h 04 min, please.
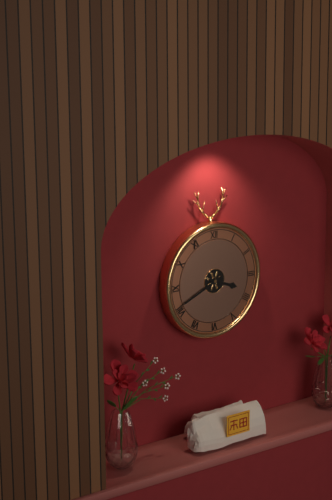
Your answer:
3 h 41 min
